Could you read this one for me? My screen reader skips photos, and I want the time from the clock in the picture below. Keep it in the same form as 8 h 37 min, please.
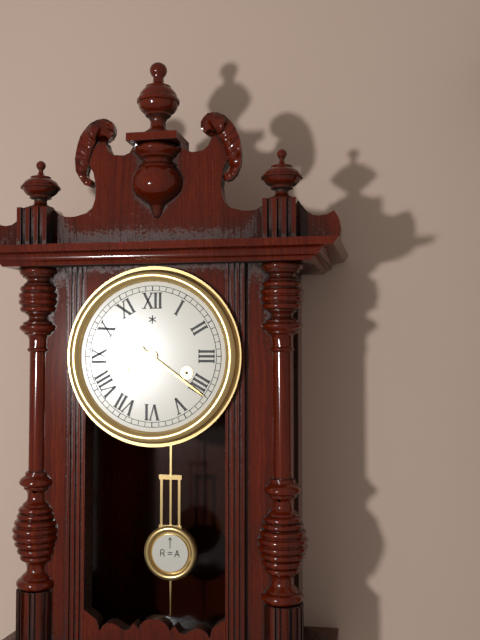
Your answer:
8 h 21 min
